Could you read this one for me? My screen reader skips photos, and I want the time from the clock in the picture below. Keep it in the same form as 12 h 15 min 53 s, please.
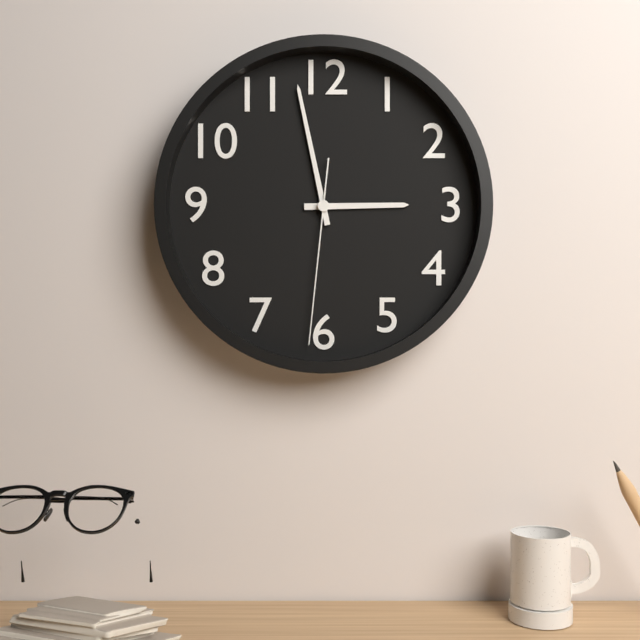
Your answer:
2 h 58 min 31 s
